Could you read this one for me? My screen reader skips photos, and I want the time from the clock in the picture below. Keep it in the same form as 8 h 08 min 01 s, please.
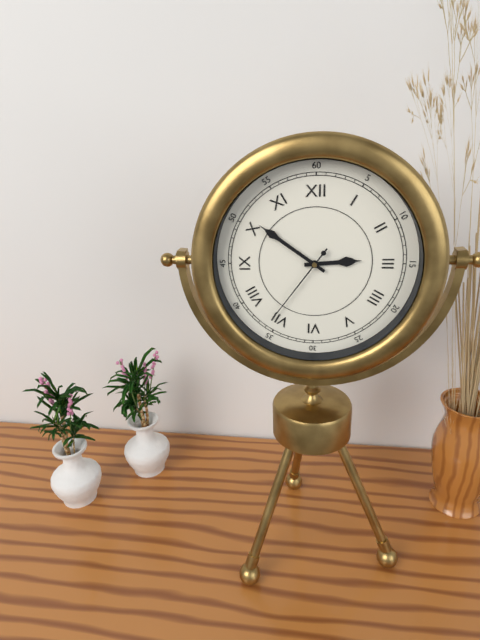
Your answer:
2 h 51 min 36 s
